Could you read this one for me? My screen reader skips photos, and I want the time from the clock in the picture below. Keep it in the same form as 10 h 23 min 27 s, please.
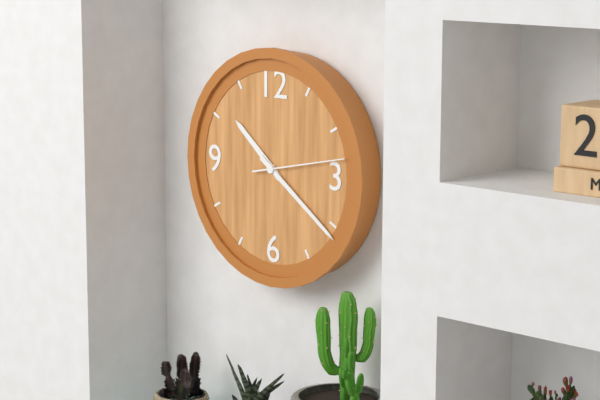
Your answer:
10 h 21 min 13 s
